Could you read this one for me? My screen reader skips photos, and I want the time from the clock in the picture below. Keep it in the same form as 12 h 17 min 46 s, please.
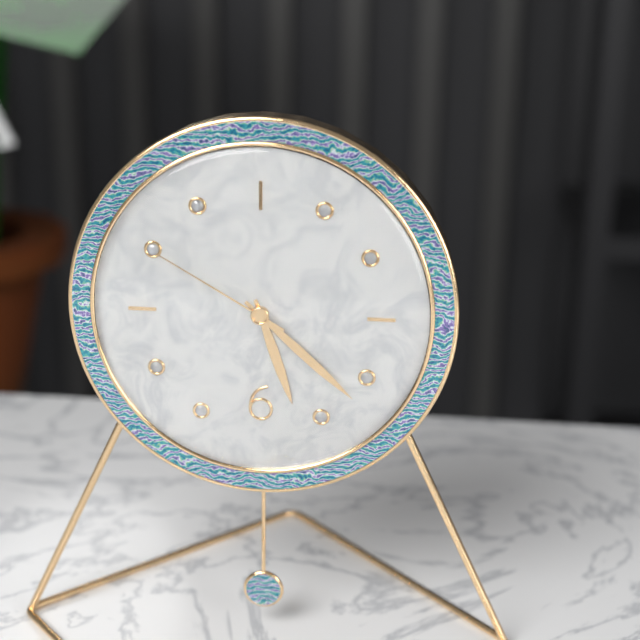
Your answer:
5 h 22 min 50 s
